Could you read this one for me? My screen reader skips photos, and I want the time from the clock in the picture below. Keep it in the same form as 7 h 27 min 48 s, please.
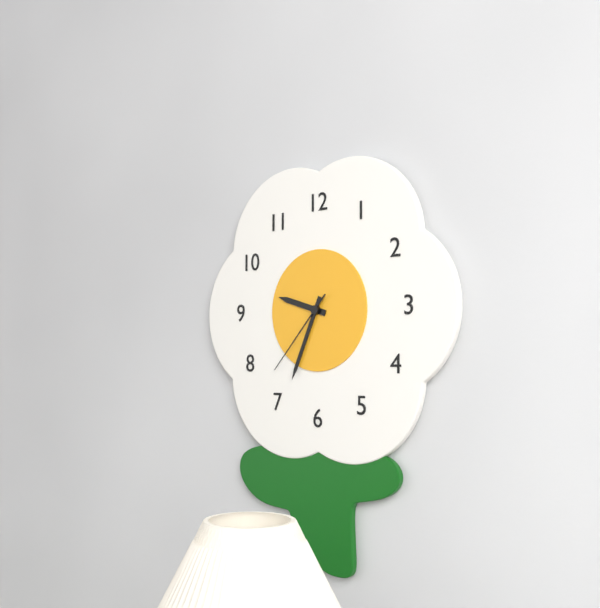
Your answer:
9 h 34 min 37 s
